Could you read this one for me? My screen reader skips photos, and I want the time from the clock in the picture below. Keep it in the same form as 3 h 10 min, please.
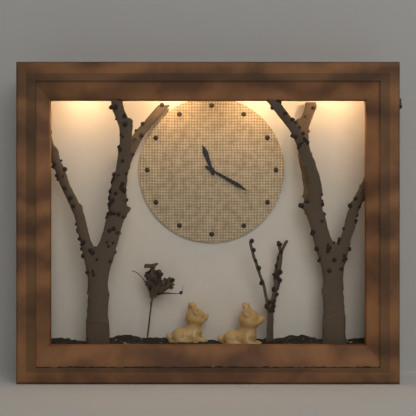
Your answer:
11 h 20 min
